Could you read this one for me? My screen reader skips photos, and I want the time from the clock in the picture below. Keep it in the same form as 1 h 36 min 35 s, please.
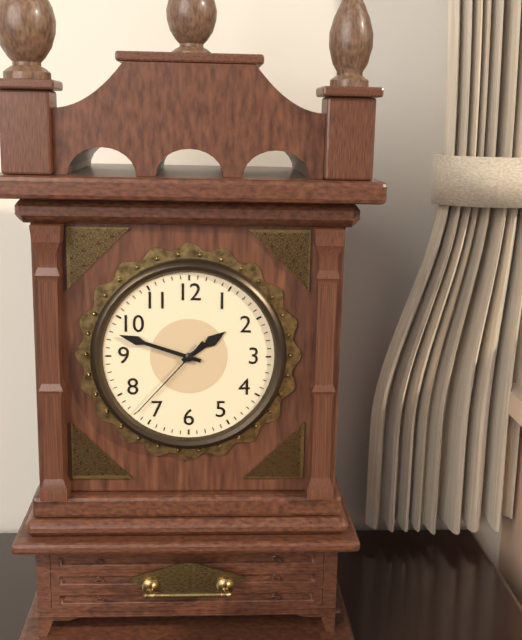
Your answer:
1 h 48 min 37 s
